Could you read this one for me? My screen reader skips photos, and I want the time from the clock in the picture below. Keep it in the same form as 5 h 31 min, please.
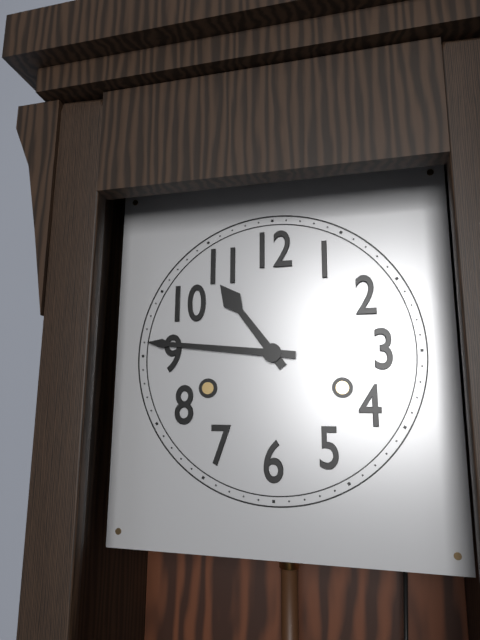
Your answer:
10 h 46 min
